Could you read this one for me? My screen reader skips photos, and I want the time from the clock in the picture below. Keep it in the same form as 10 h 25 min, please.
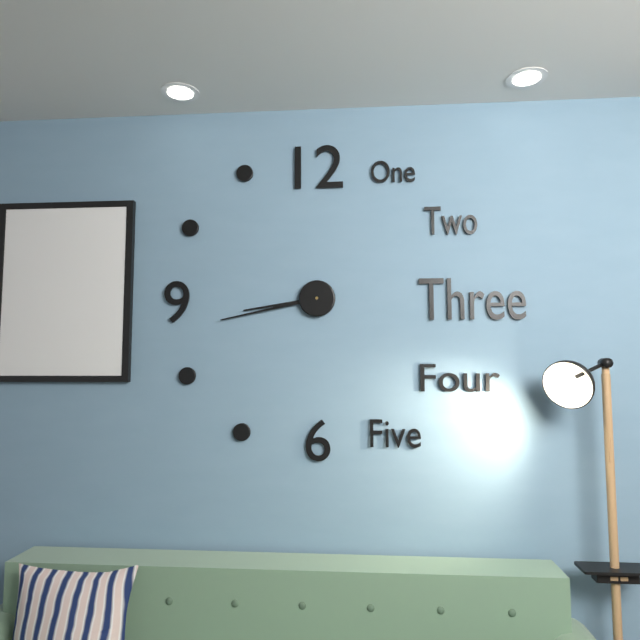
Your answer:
8 h 43 min
